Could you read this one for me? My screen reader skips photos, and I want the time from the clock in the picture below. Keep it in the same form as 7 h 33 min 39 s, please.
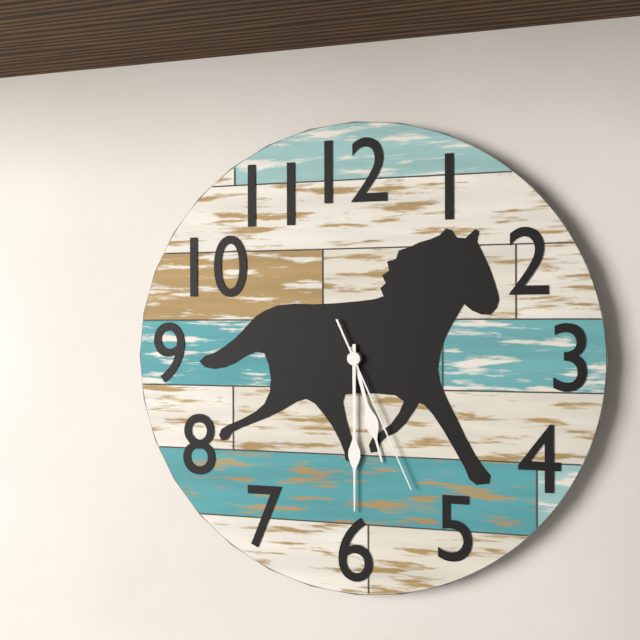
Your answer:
5 h 30 min 26 s
